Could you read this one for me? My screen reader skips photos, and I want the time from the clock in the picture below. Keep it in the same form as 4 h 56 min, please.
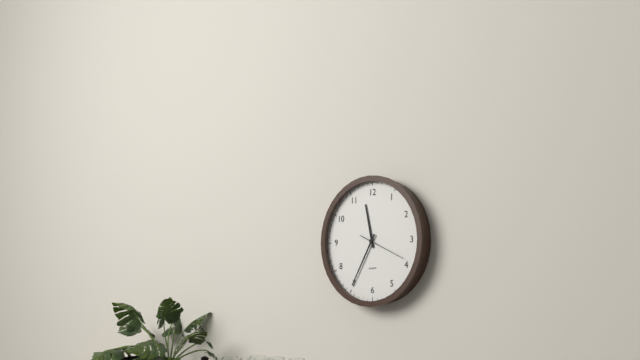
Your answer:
11 h 35 min
